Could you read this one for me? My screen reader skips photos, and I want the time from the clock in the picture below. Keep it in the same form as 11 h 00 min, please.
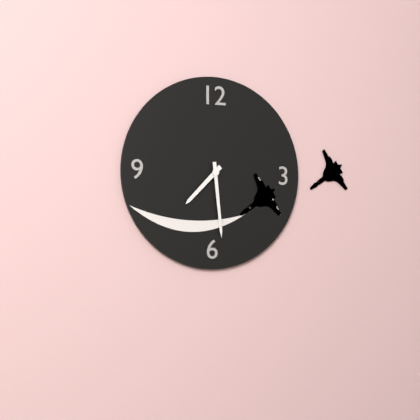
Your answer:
7 h 29 min
